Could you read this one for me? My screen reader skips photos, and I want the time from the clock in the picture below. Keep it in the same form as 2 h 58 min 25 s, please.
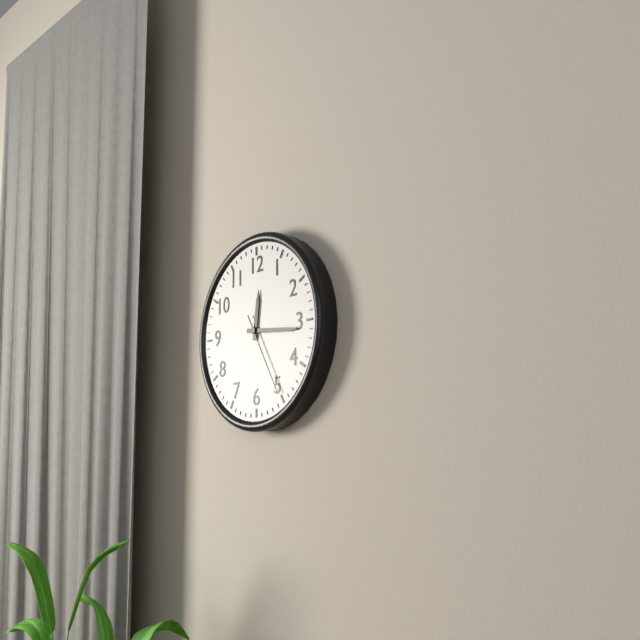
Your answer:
12 h 16 min 25 s
